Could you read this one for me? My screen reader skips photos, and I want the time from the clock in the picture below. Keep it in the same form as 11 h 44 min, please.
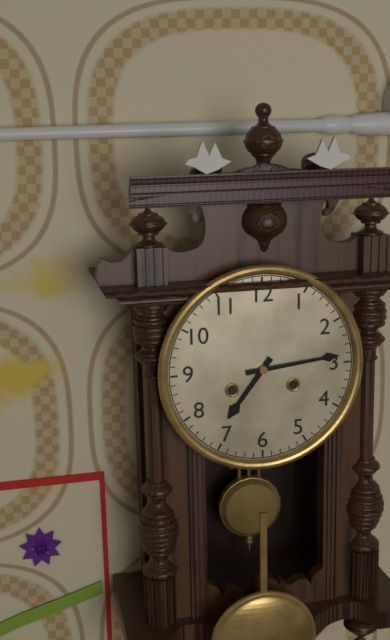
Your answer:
7 h 14 min
